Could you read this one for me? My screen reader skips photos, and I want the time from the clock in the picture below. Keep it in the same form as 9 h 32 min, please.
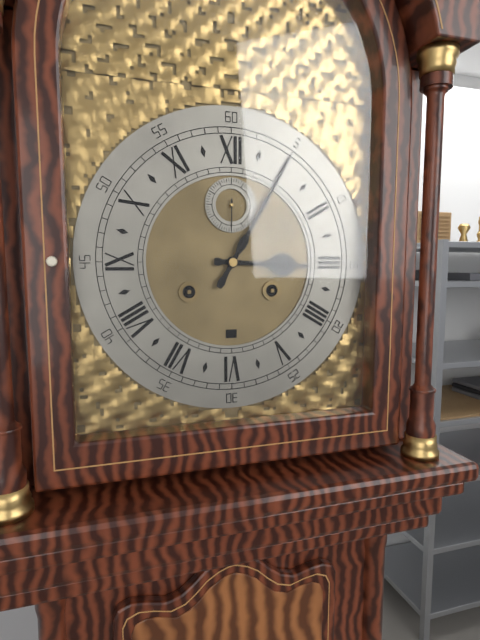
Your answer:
3 h 05 min
